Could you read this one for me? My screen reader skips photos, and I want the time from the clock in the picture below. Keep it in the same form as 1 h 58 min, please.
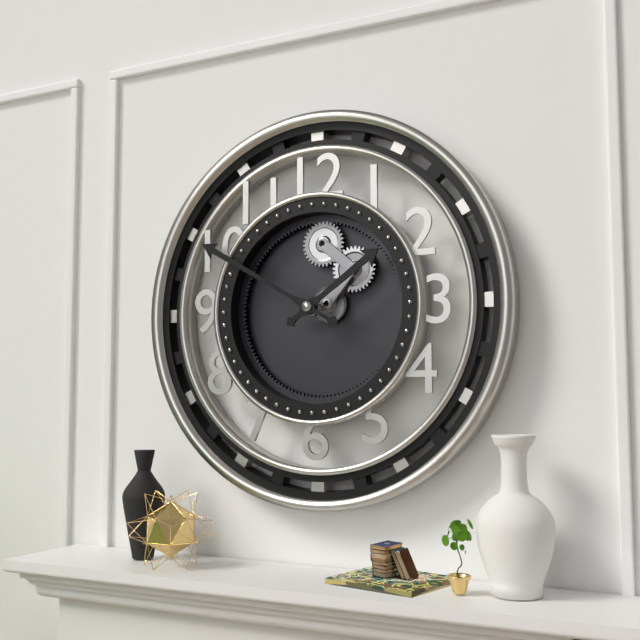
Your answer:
1 h 50 min
